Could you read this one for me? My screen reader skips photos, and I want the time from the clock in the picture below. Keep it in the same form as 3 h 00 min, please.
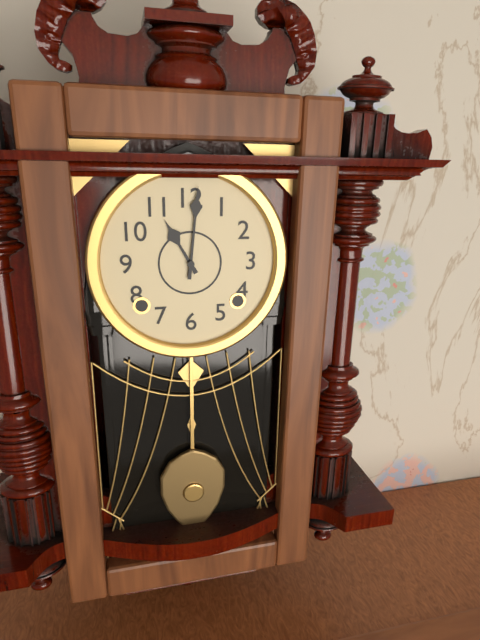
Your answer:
11 h 01 min
